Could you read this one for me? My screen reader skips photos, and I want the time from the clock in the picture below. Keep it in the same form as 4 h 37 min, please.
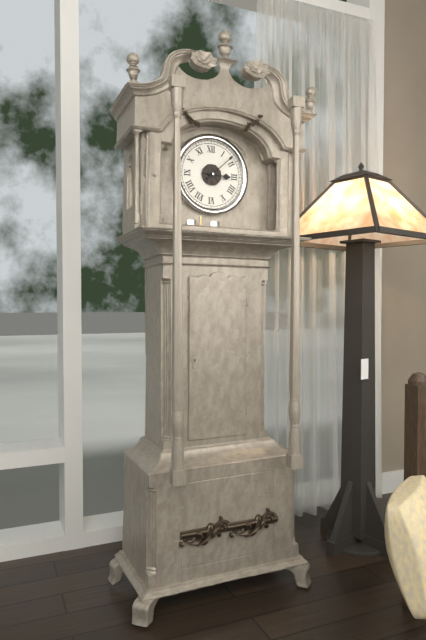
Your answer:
3 h 08 min
